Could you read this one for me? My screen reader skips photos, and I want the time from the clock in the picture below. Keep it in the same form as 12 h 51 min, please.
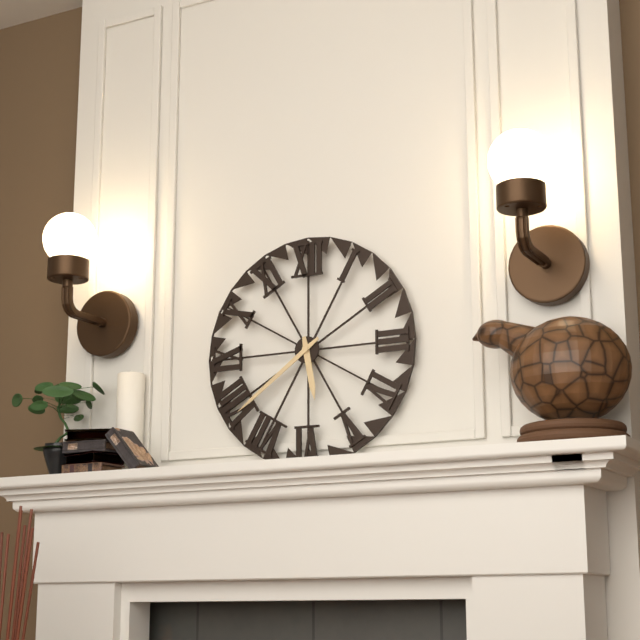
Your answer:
5 h 39 min
